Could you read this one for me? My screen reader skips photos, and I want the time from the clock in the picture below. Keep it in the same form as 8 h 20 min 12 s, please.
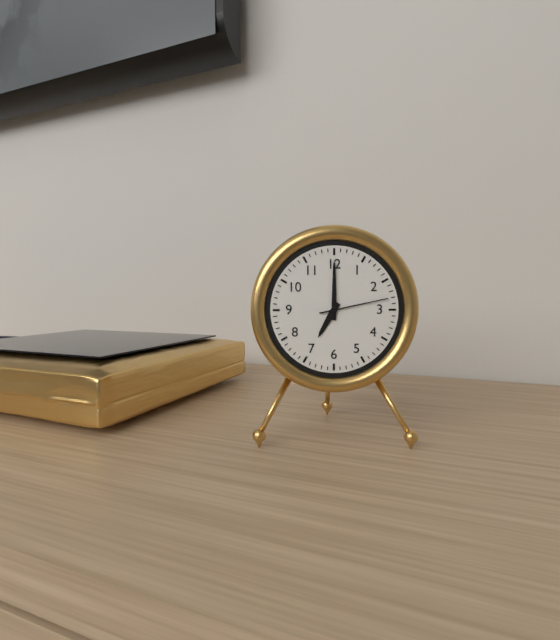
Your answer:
7 h 00 min 13 s
